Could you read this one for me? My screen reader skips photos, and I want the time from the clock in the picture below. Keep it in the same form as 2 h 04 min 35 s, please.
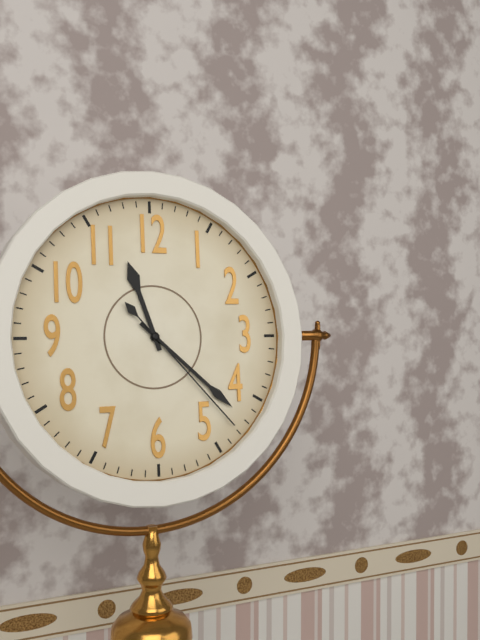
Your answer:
11 h 22 min 23 s
